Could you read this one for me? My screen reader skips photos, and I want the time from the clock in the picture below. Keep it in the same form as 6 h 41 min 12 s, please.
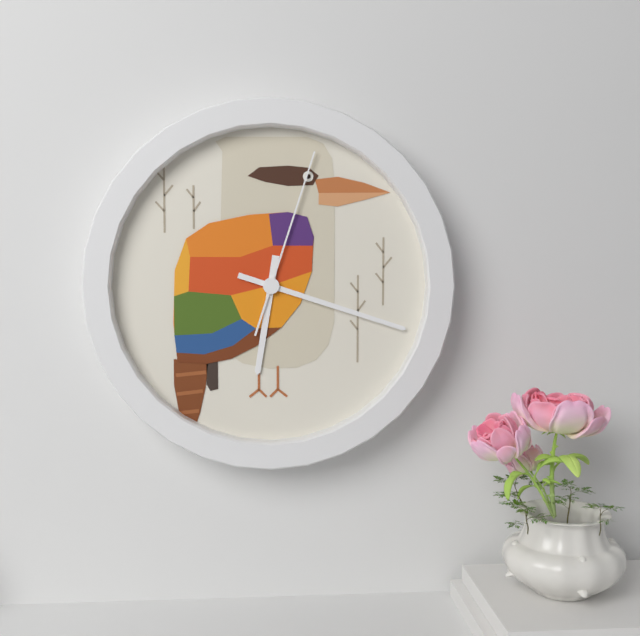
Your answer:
6 h 18 min 03 s
